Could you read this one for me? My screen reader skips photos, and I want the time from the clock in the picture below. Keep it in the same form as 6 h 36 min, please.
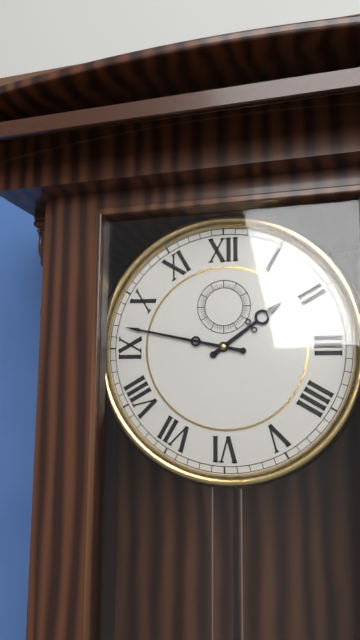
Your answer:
1 h 47 min
